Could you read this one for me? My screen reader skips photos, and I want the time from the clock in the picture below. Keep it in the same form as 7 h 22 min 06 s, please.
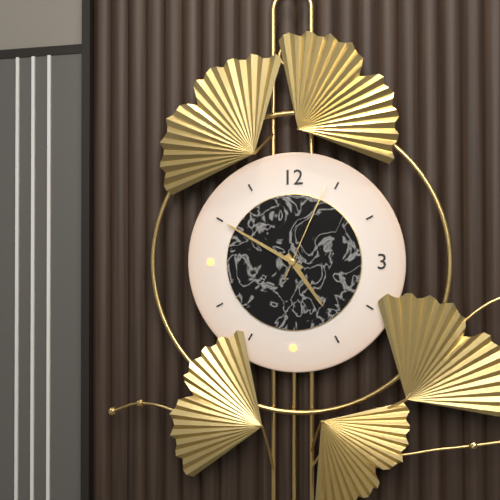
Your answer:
4 h 50 min 04 s
